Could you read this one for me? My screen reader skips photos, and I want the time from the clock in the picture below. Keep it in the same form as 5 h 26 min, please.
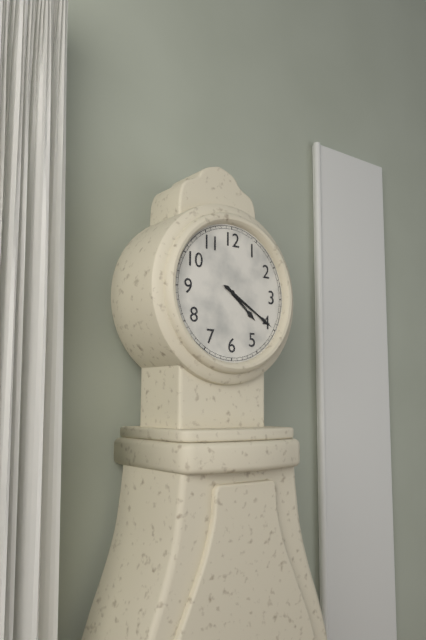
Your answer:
4 h 20 min
